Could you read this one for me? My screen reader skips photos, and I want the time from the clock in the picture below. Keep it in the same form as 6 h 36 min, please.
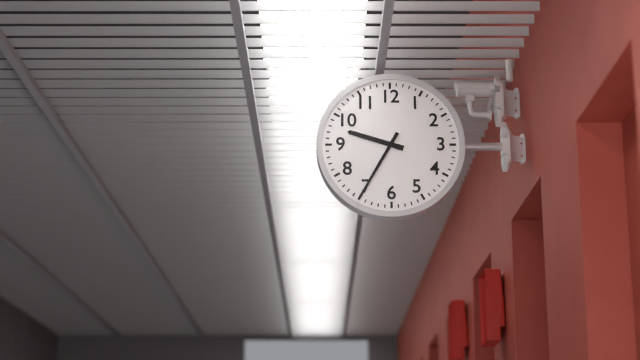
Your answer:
9 h 35 min
